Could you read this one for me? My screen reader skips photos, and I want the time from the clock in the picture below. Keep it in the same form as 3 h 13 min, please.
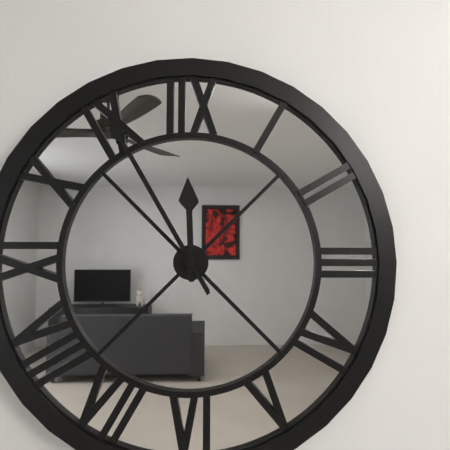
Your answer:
11 h 55 min
